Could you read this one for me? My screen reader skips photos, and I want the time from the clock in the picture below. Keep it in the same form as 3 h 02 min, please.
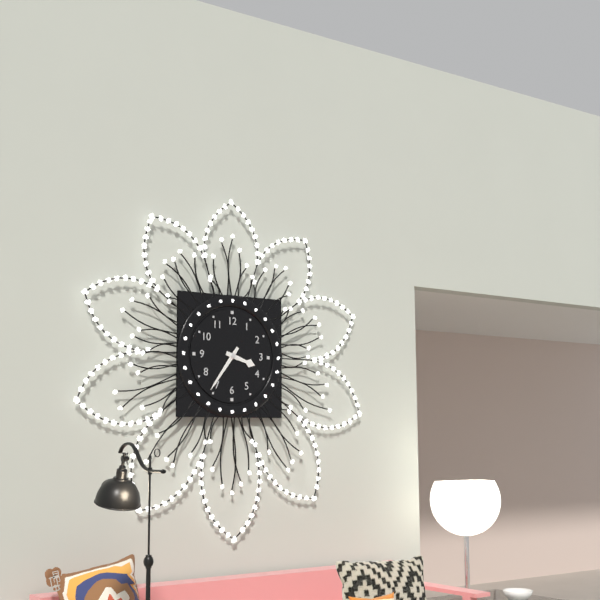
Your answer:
3 h 36 min
